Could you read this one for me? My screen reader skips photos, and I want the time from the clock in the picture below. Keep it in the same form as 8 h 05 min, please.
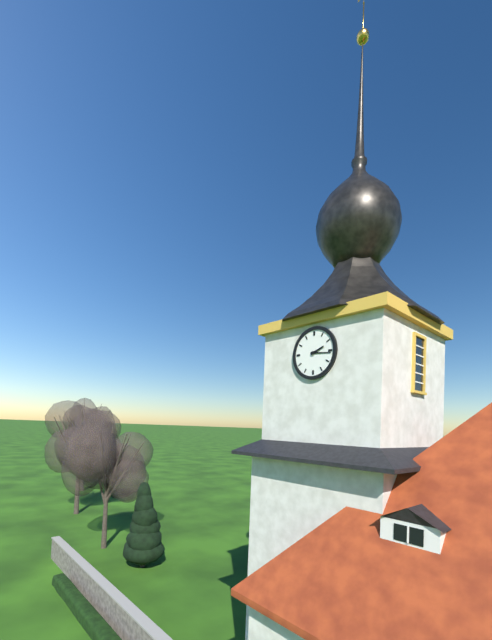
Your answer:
2 h 16 min
